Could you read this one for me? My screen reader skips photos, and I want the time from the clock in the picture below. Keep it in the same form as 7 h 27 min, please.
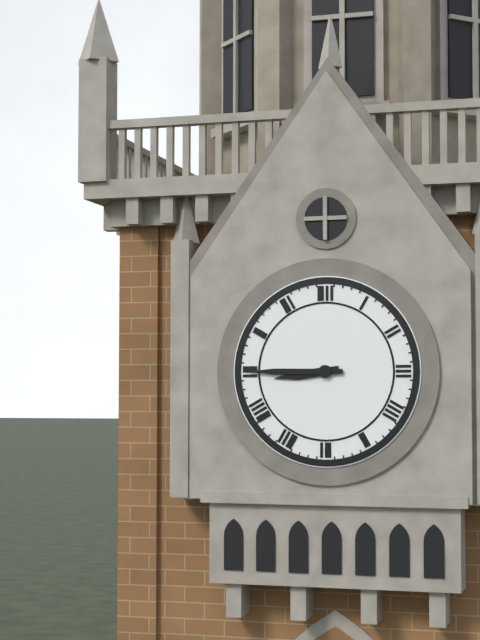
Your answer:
8 h 45 min
